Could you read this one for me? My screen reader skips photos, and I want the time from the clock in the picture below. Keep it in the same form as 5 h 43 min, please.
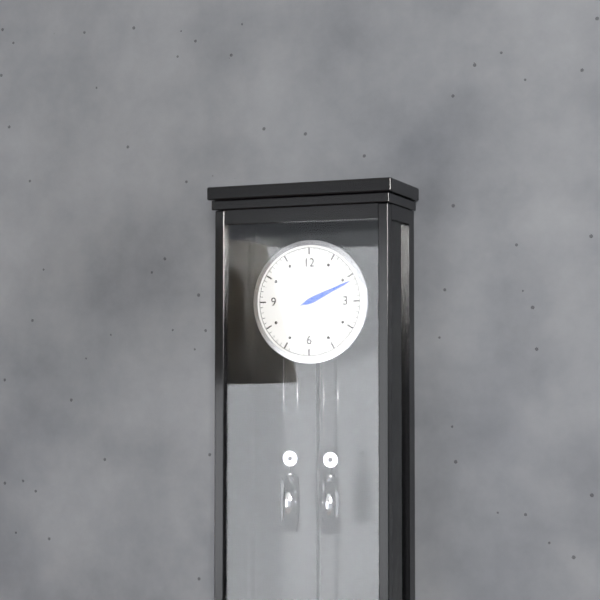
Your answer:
2 h 11 min
